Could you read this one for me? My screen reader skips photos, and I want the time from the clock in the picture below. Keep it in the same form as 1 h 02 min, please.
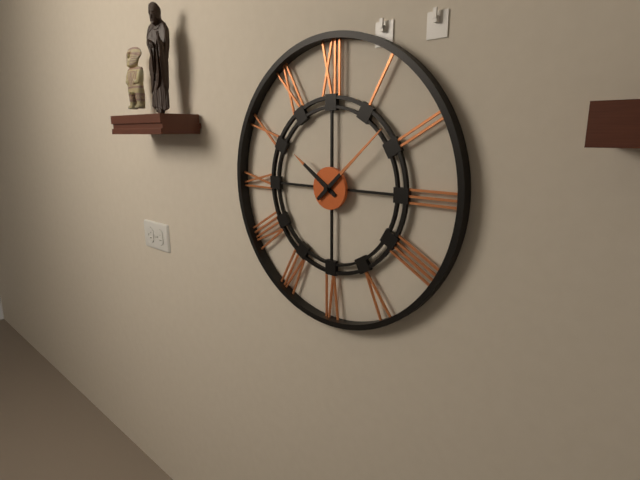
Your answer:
10 h 08 min
